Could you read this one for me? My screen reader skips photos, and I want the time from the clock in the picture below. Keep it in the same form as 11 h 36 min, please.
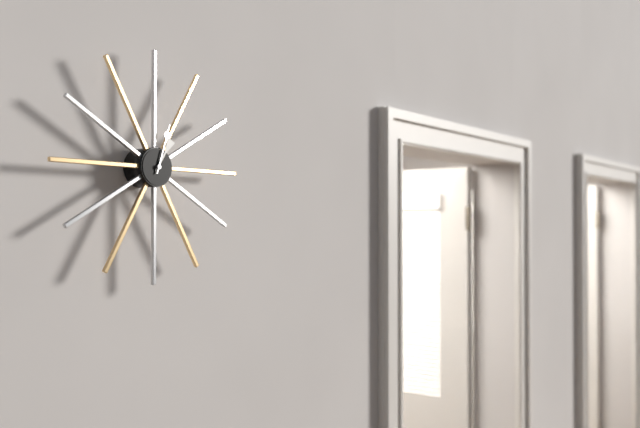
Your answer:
1 h 03 min
